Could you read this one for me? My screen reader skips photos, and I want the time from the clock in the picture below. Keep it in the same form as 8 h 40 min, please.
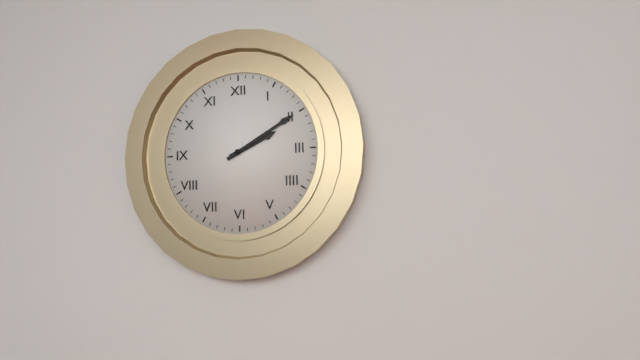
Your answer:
2 h 10 min
